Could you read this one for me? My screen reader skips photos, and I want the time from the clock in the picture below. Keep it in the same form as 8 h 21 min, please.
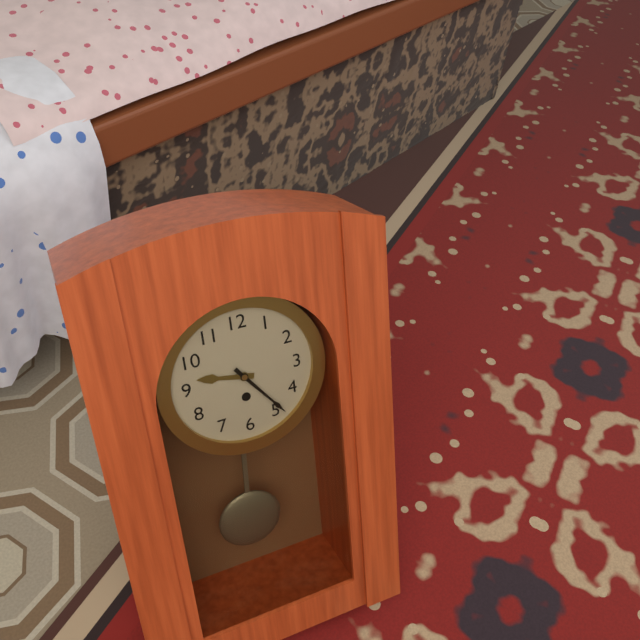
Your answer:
9 h 24 min
